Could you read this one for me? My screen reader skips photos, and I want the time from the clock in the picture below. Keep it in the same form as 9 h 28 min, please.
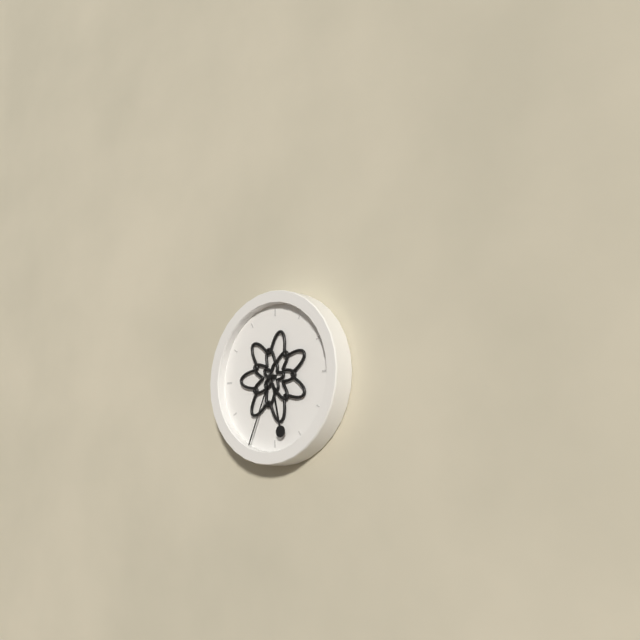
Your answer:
5 h 34 min
